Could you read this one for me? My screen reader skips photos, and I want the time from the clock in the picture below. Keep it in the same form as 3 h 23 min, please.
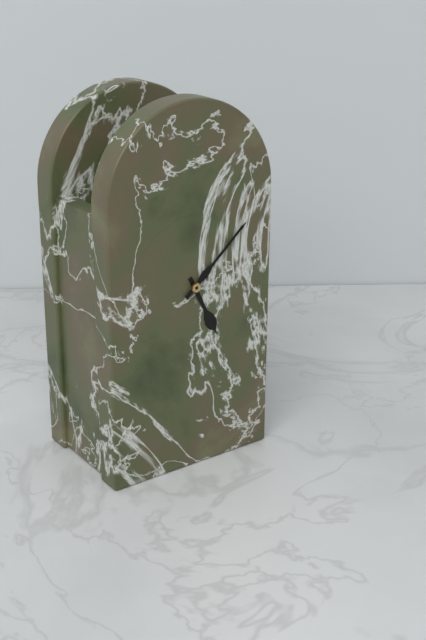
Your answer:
5 h 08 min
